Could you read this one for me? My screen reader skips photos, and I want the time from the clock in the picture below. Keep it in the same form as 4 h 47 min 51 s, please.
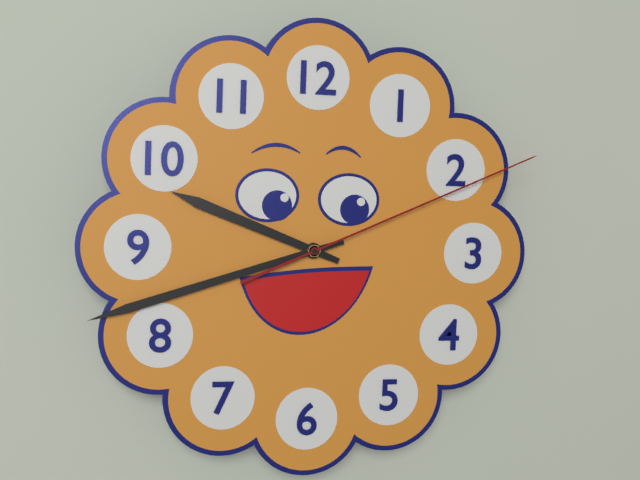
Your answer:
9 h 42 min 11 s
